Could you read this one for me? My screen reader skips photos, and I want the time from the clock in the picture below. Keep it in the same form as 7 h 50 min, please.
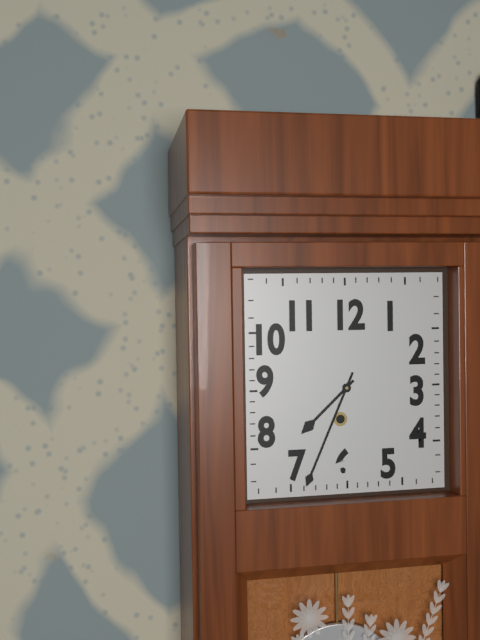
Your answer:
7 h 34 min
